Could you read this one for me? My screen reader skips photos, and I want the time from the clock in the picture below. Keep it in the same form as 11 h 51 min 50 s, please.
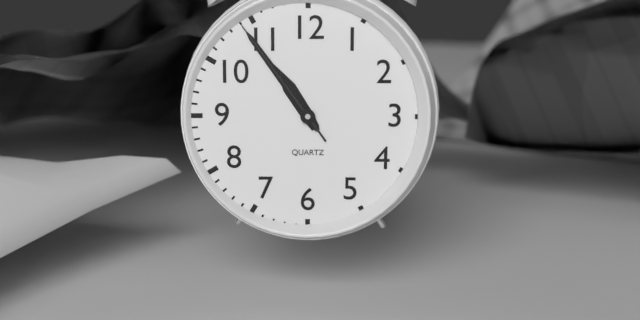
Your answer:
10 h 54 min 54 s
